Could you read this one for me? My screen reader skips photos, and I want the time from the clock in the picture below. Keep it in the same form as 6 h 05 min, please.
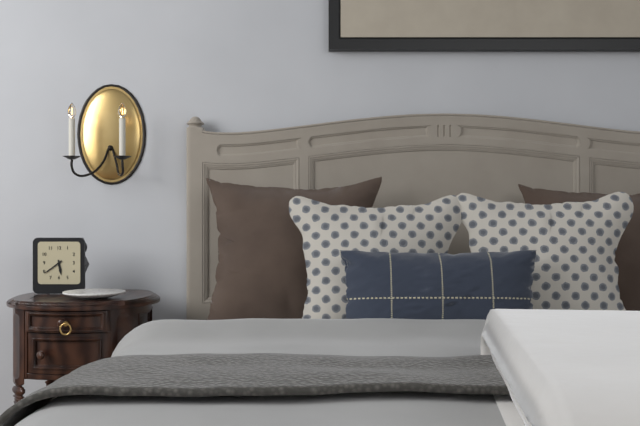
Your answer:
5 h 39 min
